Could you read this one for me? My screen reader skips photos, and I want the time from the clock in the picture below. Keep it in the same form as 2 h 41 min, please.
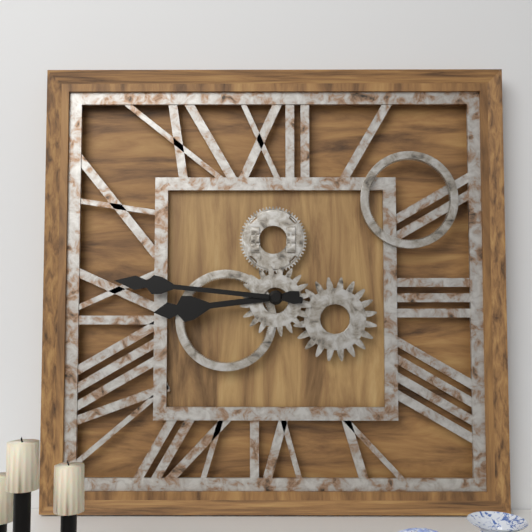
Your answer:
8 h 46 min
